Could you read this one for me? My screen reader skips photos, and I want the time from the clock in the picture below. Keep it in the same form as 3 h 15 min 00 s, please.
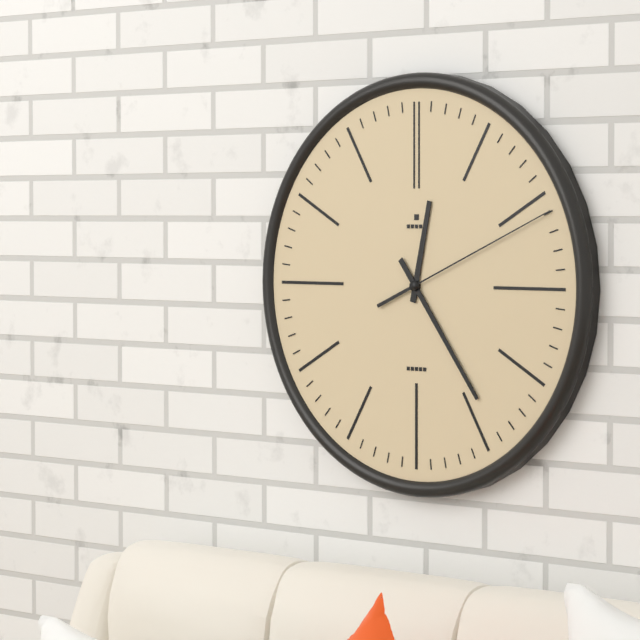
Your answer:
12 h 24 min 11 s
